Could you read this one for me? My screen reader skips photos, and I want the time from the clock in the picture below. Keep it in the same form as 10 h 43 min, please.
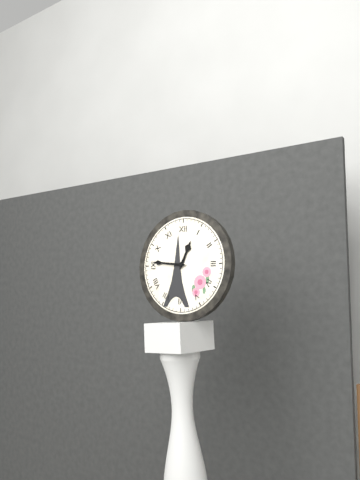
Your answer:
12 h 46 min
